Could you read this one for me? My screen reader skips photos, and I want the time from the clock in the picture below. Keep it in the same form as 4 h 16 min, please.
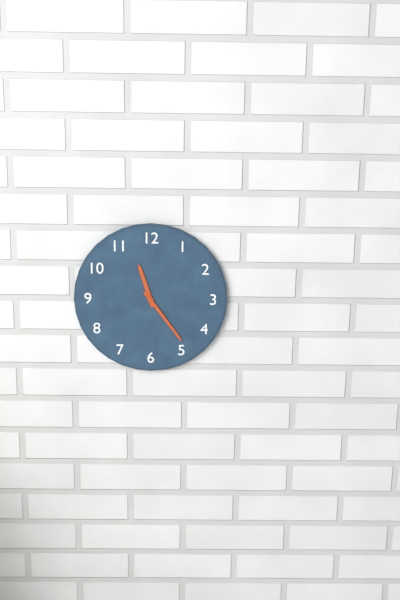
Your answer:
11 h 24 min
